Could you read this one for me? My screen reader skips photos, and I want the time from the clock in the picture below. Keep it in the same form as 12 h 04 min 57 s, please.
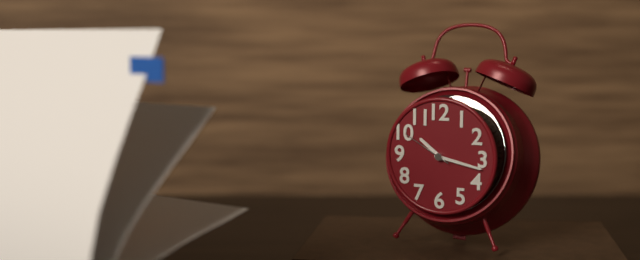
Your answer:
10 h 17 min 50 s
